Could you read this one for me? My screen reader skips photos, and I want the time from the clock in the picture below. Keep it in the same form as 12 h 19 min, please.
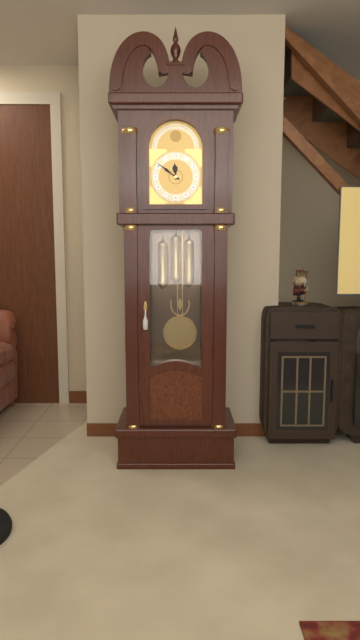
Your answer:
11 h 51 min
